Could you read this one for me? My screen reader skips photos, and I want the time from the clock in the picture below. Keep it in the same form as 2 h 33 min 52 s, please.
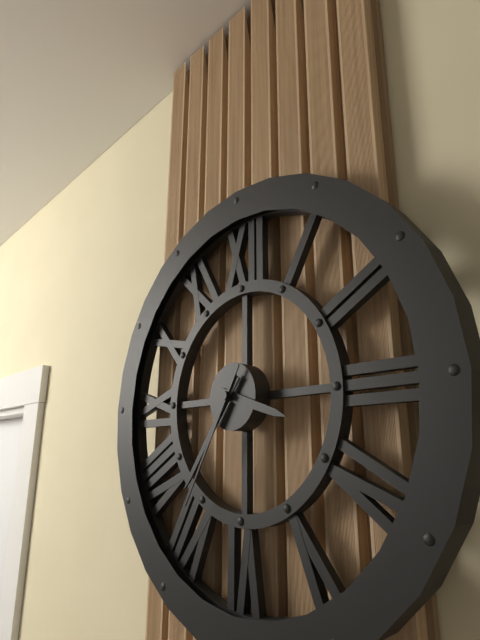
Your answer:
3 h 36 min 35 s
